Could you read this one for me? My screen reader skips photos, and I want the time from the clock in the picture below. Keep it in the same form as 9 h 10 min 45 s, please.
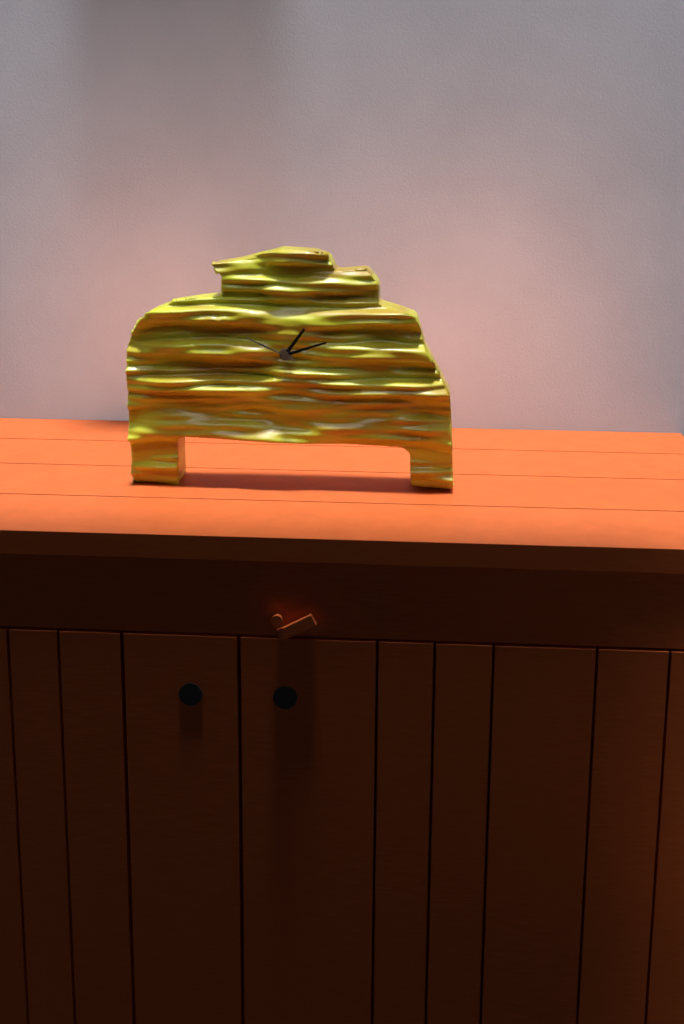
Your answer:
1 h 12 min 49 s
